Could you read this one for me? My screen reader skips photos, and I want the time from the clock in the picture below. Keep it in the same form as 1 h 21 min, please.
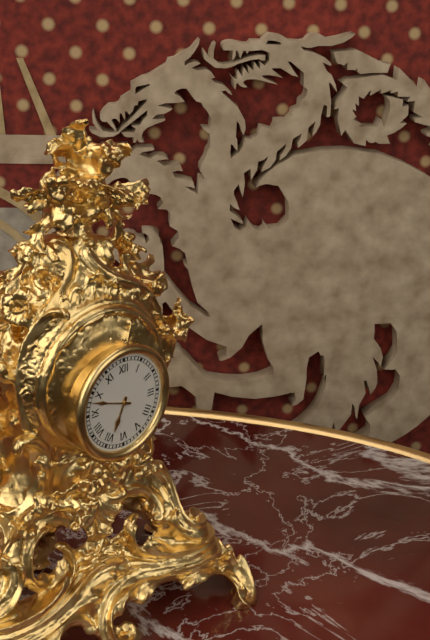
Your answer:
6 h 48 min
